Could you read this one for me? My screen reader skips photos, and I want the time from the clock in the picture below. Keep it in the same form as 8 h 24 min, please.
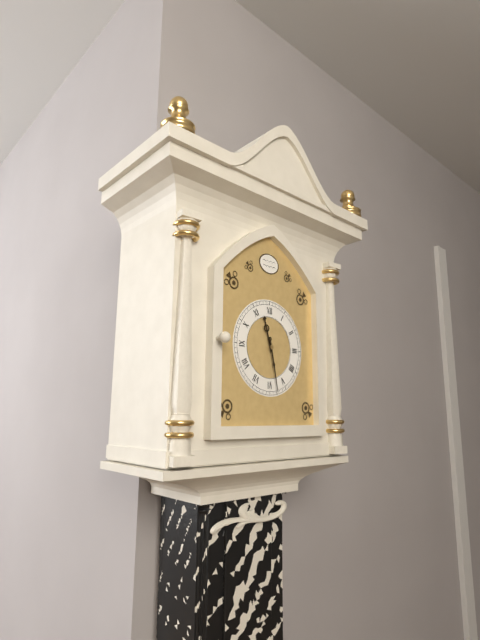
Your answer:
11 h 28 min
